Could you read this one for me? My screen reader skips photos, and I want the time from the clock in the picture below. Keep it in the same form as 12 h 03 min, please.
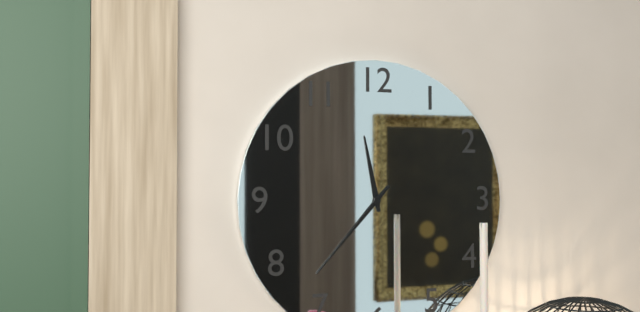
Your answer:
11 h 37 min
